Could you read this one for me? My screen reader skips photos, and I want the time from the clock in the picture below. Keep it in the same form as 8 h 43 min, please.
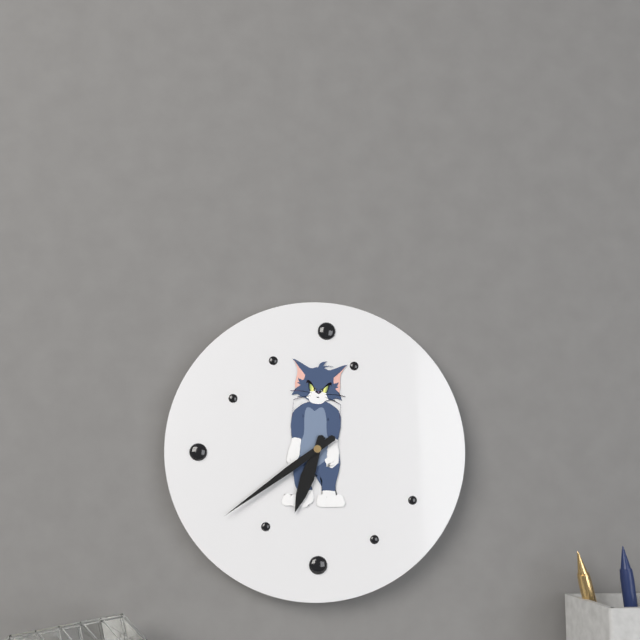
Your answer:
6 h 39 min
